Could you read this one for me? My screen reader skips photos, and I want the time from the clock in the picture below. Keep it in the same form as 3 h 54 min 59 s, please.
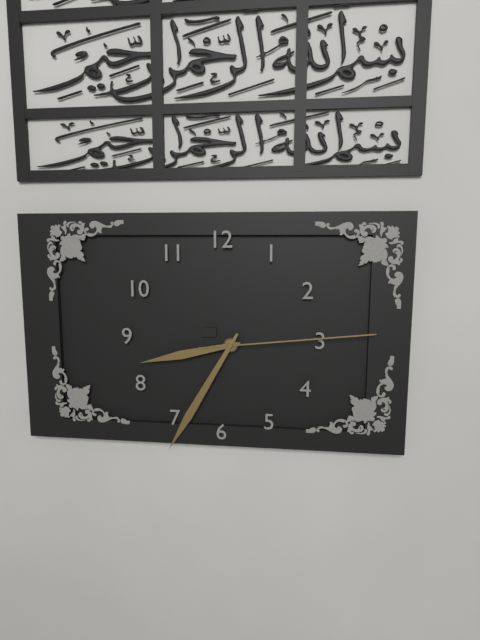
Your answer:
8 h 35 min 14 s
